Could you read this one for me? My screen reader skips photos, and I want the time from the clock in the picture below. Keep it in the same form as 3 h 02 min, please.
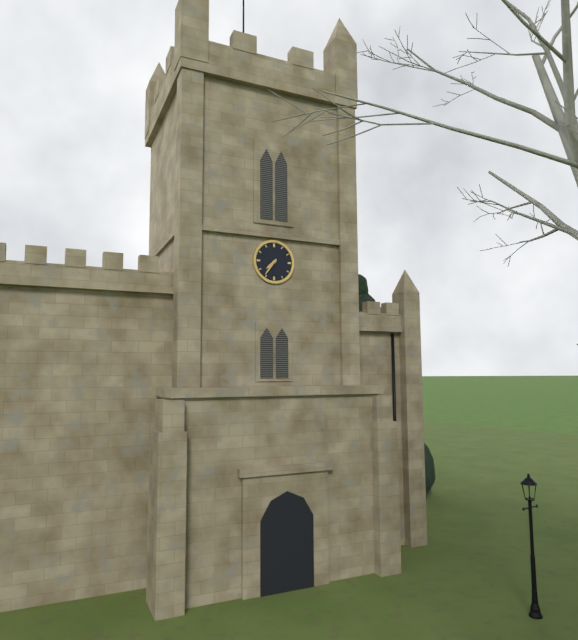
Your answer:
7 h 36 min
